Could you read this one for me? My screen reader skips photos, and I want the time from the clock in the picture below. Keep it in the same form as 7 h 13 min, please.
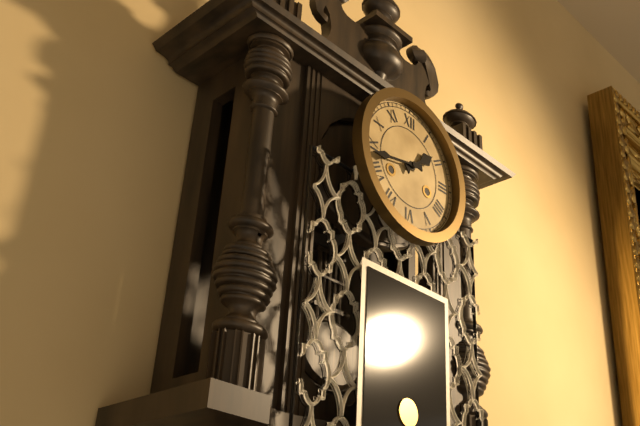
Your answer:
1 h 43 min
